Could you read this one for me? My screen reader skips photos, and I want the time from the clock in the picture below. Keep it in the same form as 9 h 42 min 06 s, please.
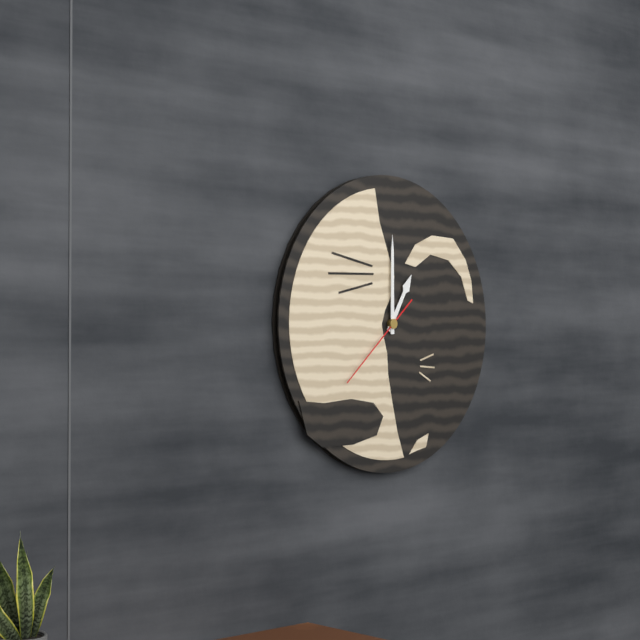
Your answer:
1 h 00 min 38 s
